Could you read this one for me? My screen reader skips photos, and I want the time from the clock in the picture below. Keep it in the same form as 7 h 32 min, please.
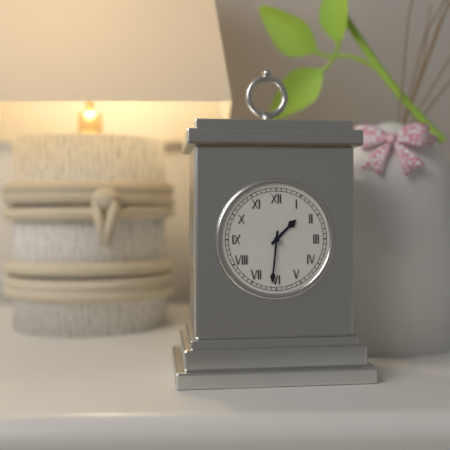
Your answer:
1 h 31 min
